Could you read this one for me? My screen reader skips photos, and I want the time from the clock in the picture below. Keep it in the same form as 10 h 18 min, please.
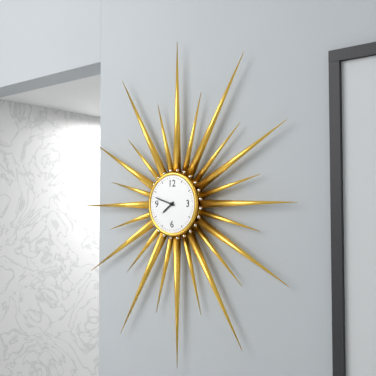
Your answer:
7 h 48 min
